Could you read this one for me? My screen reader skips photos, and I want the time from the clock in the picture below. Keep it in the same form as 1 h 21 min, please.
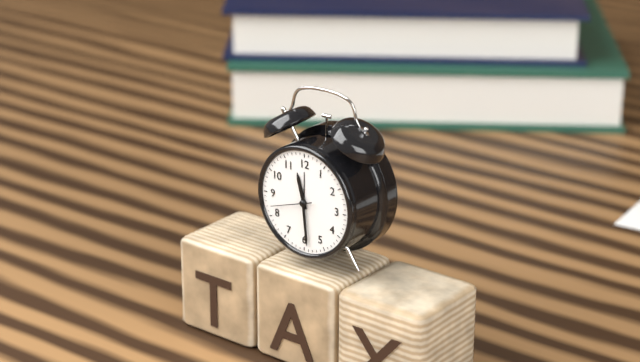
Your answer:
11 h 29 min
